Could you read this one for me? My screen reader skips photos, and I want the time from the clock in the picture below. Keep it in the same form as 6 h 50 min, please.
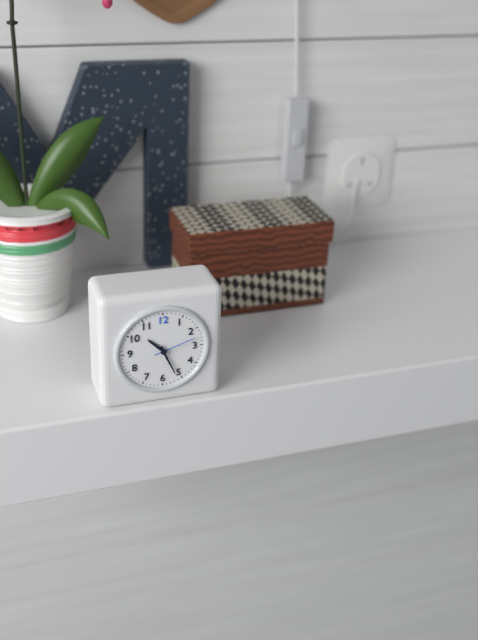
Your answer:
10 h 26 min
